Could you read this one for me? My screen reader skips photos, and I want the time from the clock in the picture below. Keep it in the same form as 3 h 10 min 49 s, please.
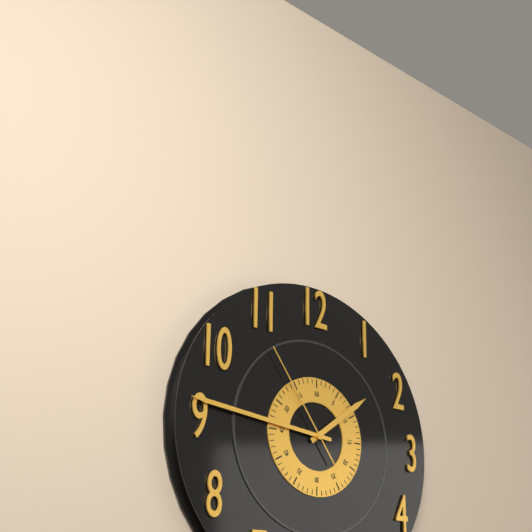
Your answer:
1 h 46 min 54 s
